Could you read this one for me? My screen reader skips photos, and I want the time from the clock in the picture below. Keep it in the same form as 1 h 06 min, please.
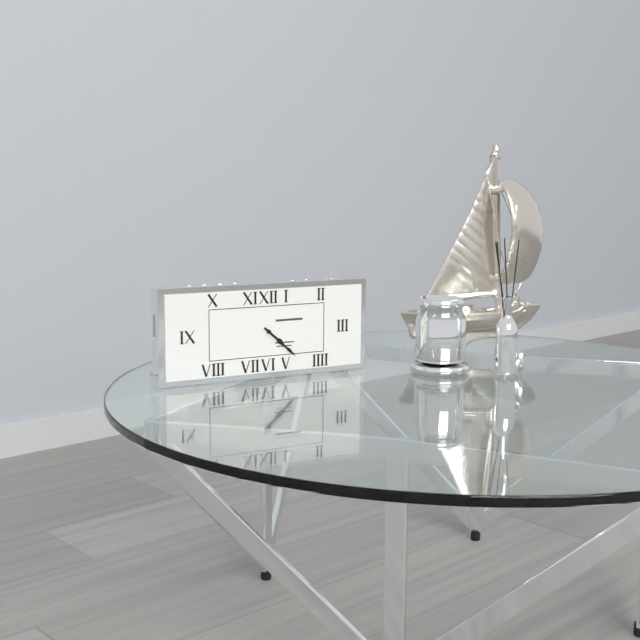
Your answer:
4 h 22 min
